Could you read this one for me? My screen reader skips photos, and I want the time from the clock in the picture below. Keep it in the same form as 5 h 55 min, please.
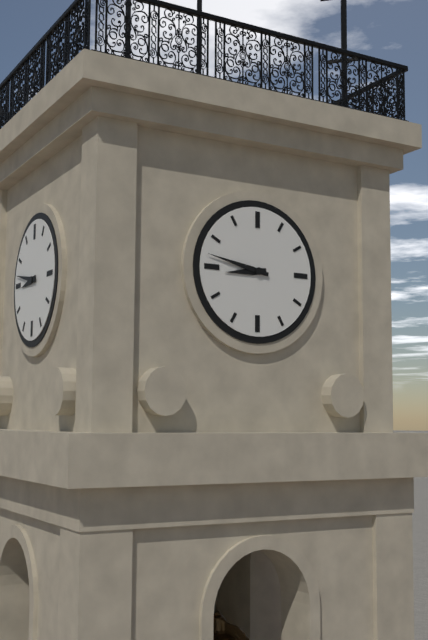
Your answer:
8 h 47 min
